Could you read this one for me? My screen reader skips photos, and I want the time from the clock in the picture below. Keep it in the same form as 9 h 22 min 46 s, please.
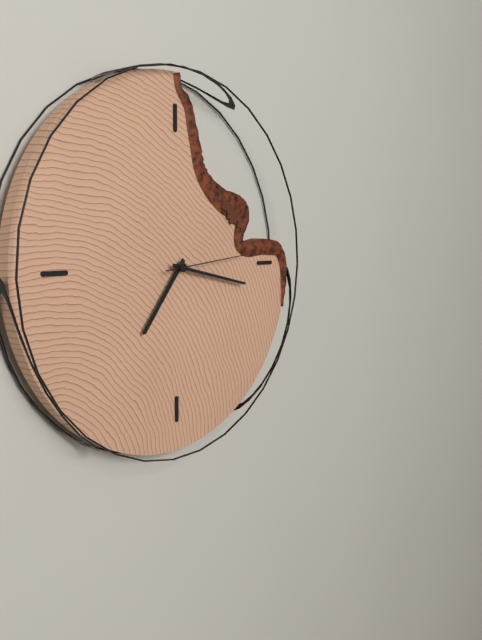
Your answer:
7 h 17 min 14 s
